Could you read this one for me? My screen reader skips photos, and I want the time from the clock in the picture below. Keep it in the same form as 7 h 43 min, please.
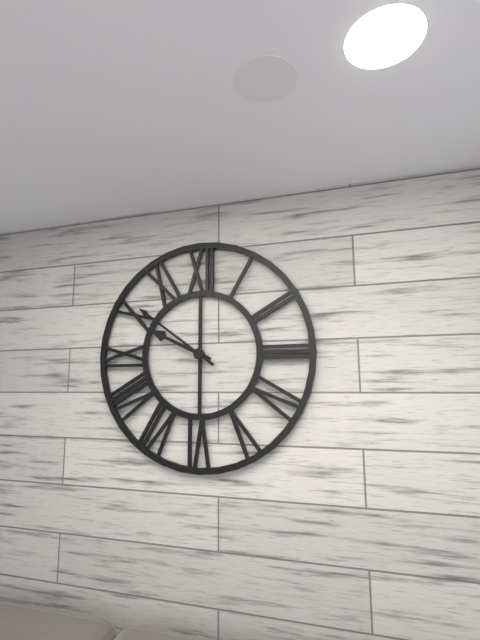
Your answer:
9 h 51 min
